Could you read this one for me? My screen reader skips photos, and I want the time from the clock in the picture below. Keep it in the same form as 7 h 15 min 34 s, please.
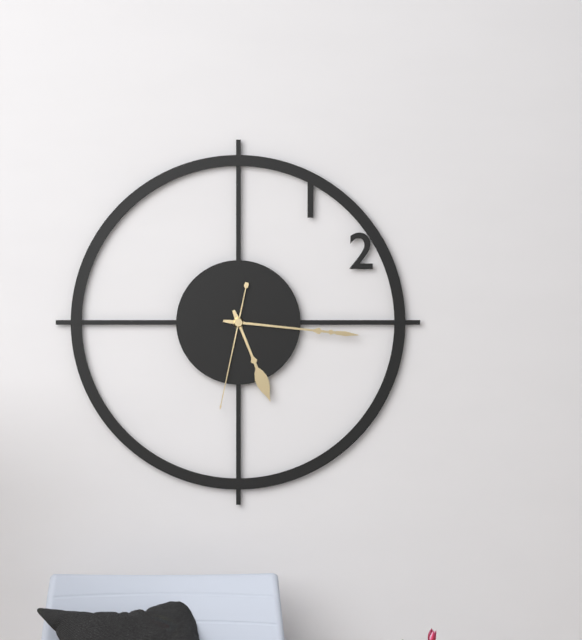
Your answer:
5 h 16 min 32 s
